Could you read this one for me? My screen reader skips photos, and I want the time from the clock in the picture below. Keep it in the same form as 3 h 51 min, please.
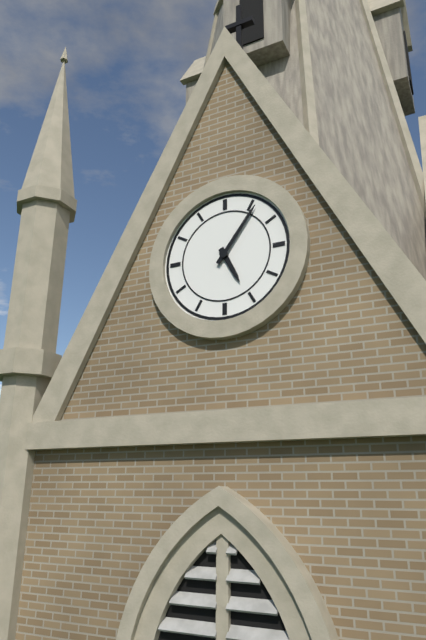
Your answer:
5 h 06 min
